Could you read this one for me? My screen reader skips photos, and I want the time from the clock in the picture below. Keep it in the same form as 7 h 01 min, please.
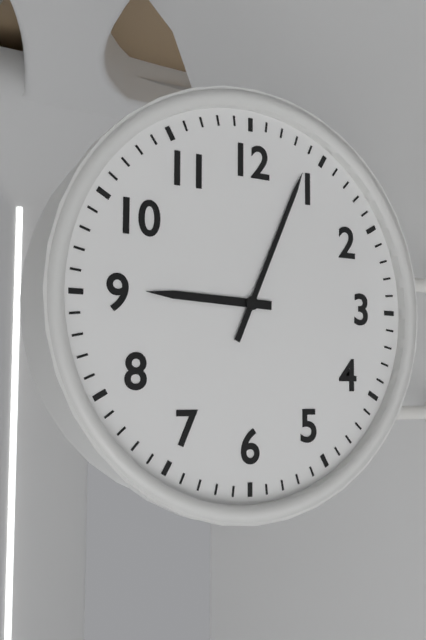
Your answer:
9 h 04 min
